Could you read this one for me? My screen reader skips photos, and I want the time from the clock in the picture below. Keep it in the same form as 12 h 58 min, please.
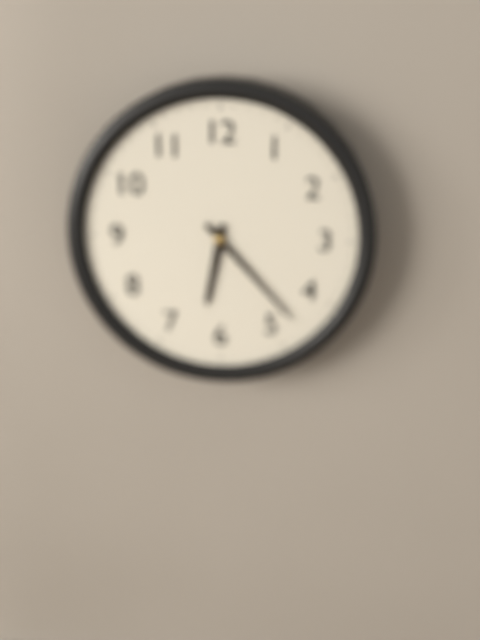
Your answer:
6 h 23 min
